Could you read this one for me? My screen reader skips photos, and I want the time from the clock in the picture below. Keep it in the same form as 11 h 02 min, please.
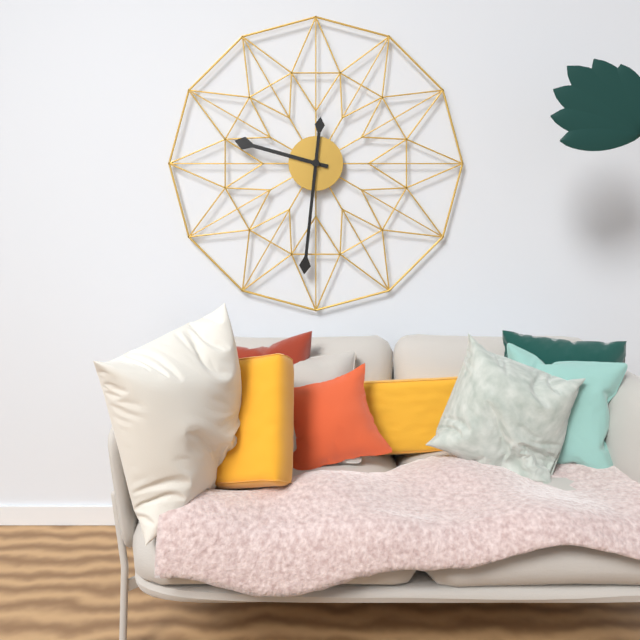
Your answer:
9 h 31 min
